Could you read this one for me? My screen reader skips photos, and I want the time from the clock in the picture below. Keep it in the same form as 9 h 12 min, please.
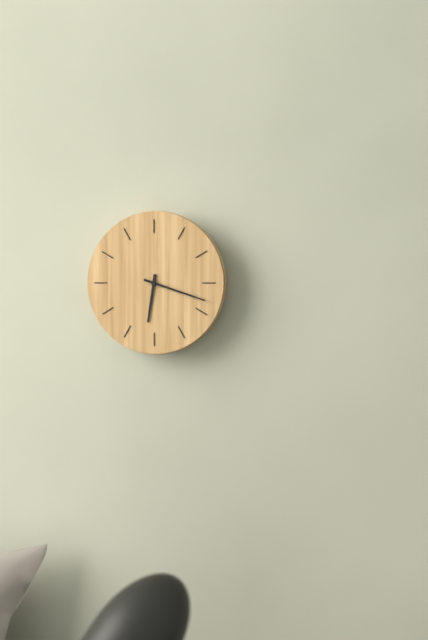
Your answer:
6 h 18 min
